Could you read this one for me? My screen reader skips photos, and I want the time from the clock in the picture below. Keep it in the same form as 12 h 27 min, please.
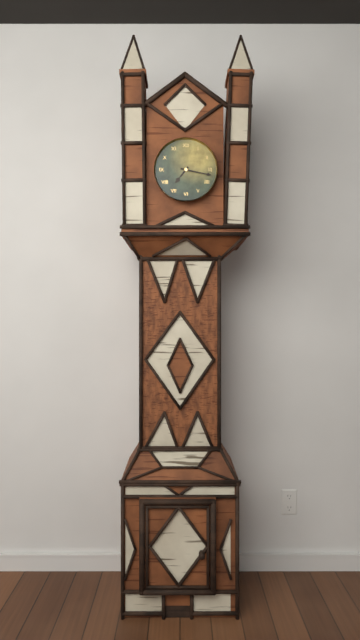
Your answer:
7 h 17 min
